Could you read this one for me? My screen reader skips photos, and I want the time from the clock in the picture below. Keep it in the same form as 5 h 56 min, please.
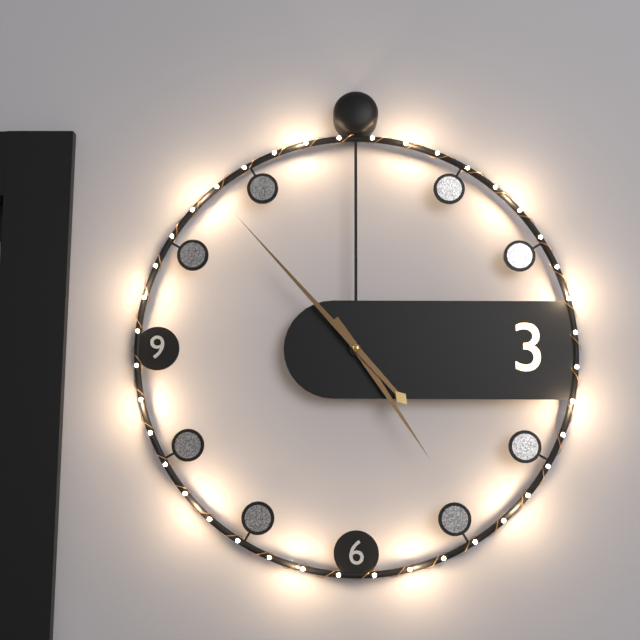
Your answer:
4 h 53 min
